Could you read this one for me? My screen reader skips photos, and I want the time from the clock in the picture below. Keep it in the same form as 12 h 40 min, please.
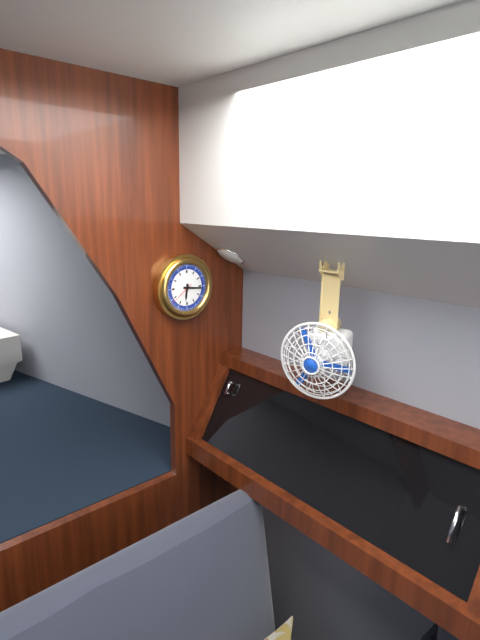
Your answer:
6 h 16 min
